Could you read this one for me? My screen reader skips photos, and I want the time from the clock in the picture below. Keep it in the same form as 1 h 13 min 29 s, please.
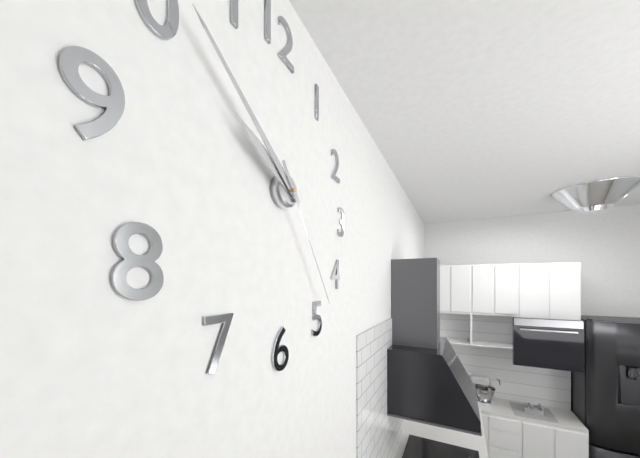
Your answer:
9 h 51 min 24 s
